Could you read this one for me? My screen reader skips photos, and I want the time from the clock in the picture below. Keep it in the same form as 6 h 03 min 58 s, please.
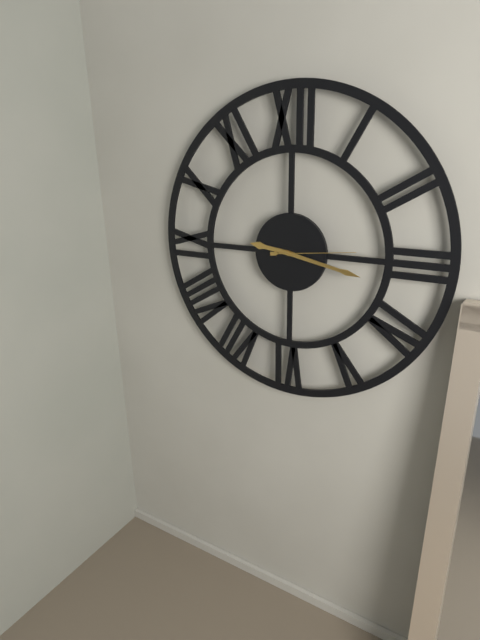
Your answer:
9 h 17 min 14 s
